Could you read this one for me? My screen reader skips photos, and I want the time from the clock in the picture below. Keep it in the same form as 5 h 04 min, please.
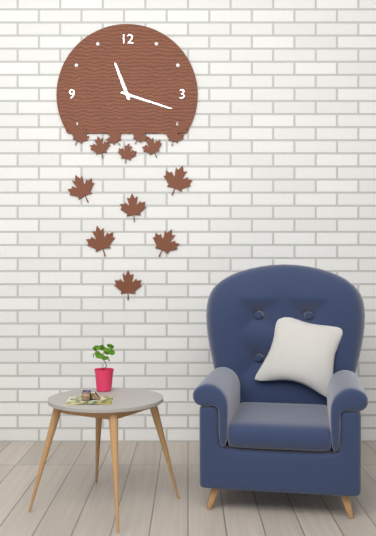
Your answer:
11 h 18 min
